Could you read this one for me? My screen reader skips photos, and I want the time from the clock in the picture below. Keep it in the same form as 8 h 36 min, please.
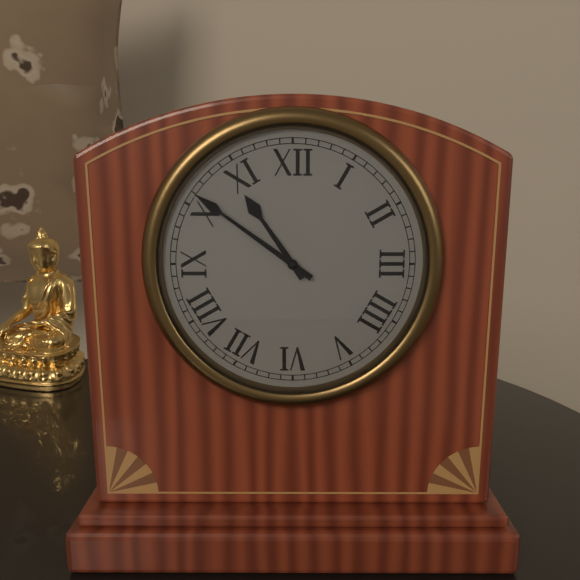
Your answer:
10 h 51 min
